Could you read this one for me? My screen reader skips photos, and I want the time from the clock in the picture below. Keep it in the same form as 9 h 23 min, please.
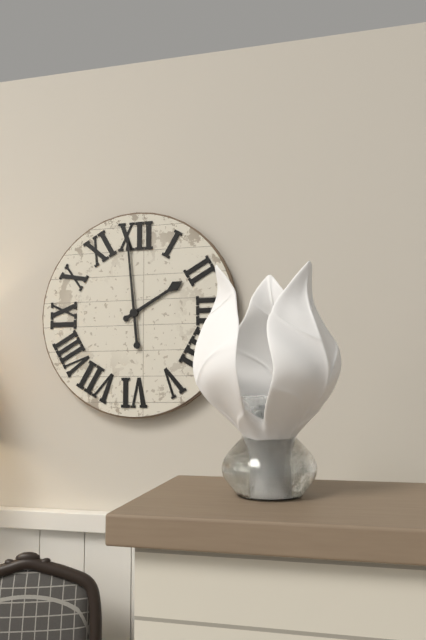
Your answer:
1 h 59 min
